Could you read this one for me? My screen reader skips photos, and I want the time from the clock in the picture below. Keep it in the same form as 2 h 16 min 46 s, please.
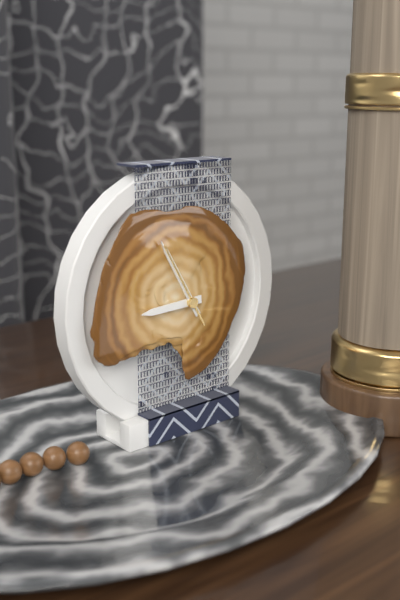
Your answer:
8 h 55 min 55 s
